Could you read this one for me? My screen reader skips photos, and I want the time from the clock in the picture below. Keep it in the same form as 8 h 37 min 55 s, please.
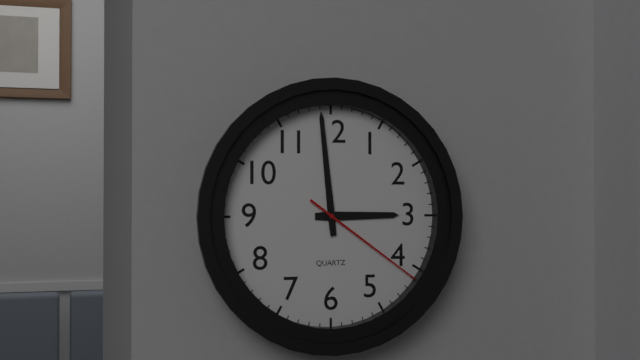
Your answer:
2 h 59 min 21 s
